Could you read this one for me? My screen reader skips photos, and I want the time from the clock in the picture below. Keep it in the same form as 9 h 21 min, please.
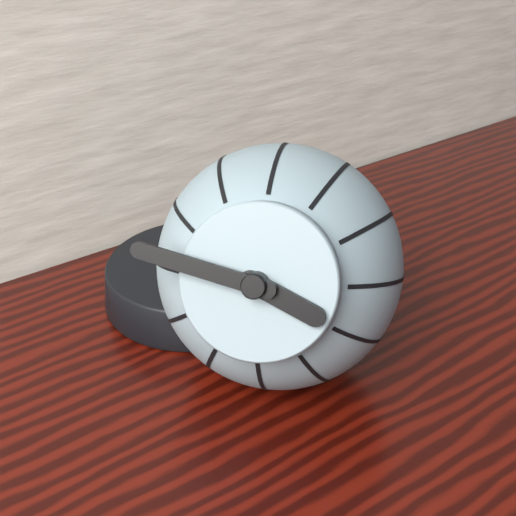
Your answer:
3 h 47 min
